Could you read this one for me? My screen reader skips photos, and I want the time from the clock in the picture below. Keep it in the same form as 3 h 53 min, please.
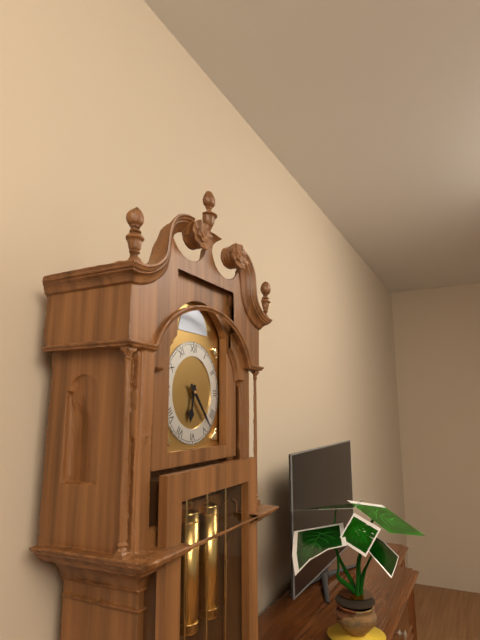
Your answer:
6 h 23 min
